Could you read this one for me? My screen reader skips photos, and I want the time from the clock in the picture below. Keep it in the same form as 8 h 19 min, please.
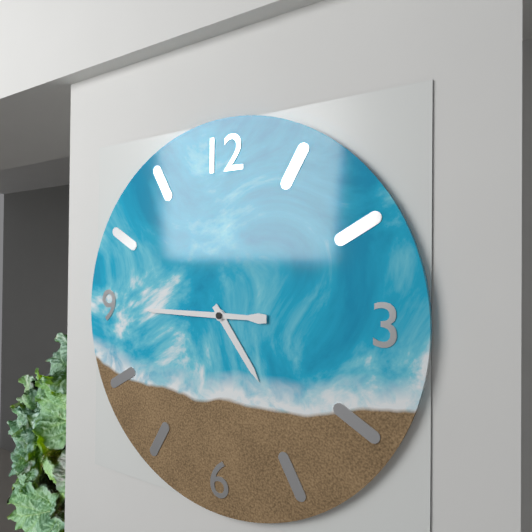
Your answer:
4 h 45 min
